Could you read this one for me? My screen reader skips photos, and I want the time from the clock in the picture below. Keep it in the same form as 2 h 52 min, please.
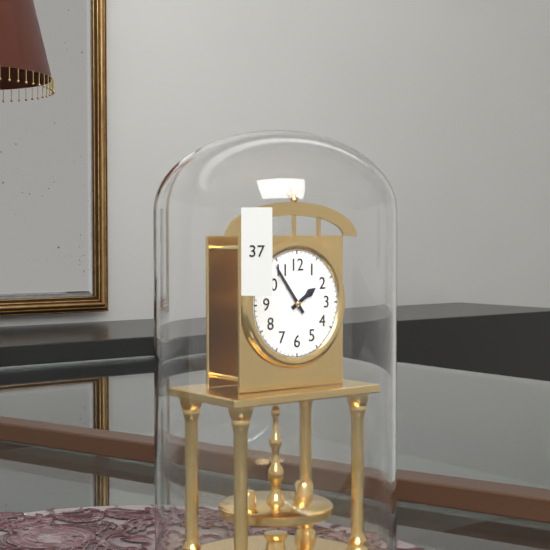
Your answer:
1 h 54 min
